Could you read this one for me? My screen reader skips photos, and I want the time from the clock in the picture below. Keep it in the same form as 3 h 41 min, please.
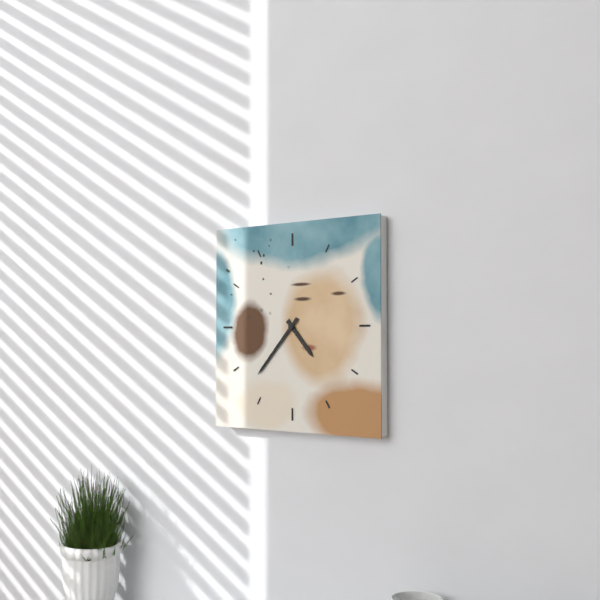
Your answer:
4 h 37 min
